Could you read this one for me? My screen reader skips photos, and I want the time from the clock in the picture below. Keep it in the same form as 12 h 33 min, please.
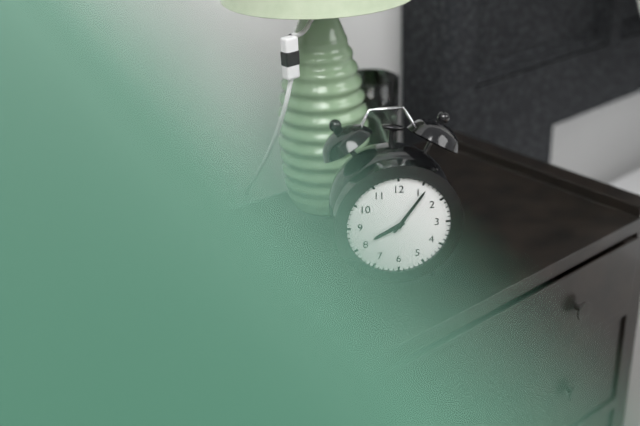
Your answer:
8 h 06 min
